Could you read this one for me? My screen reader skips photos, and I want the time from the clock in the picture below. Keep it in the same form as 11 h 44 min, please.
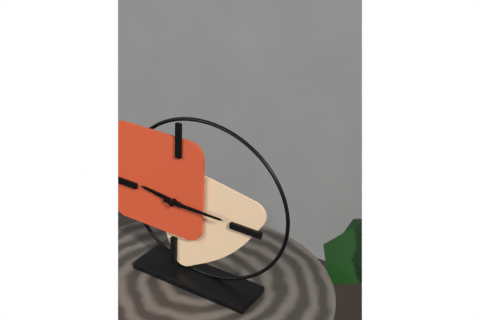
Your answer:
9 h 15 min
